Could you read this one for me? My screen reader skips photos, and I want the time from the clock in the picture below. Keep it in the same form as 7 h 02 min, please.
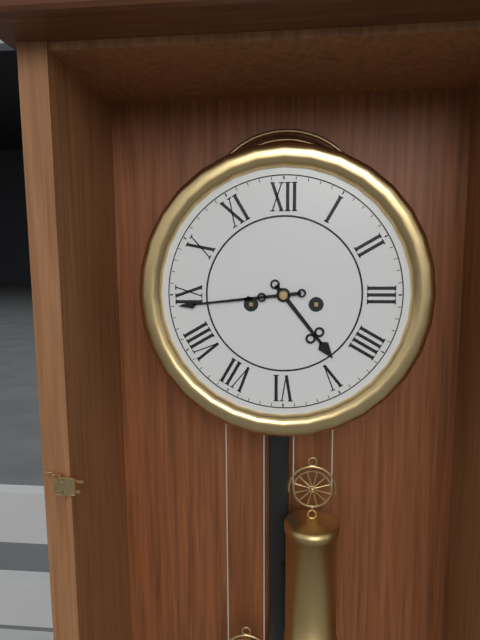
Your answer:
4 h 44 min
